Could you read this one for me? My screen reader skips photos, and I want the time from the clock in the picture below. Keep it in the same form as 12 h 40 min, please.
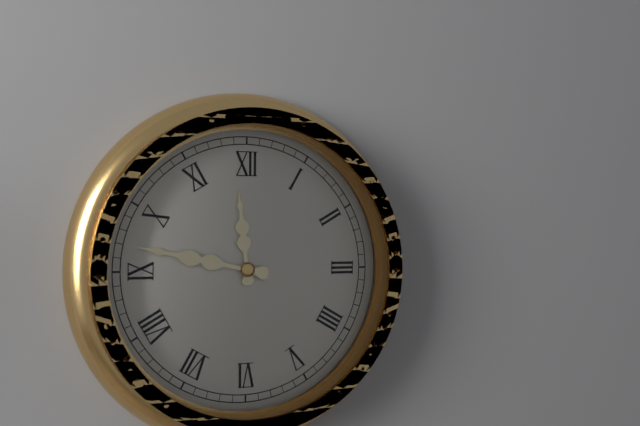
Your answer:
11 h 47 min
